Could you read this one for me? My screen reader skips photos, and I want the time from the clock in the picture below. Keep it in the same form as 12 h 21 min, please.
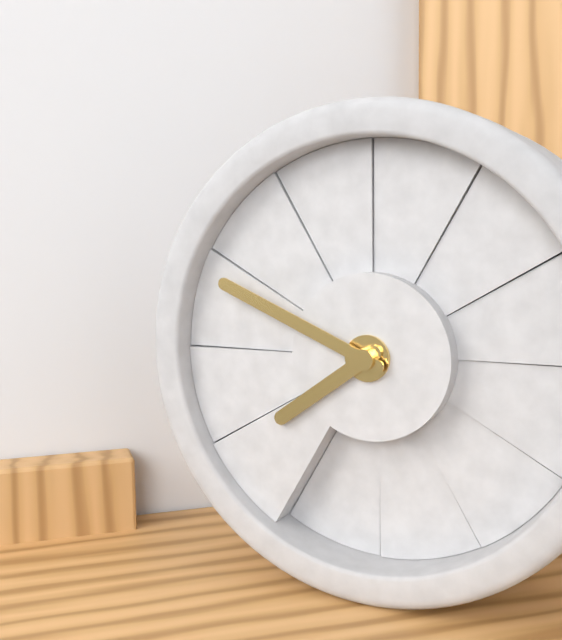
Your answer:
7 h 49 min
